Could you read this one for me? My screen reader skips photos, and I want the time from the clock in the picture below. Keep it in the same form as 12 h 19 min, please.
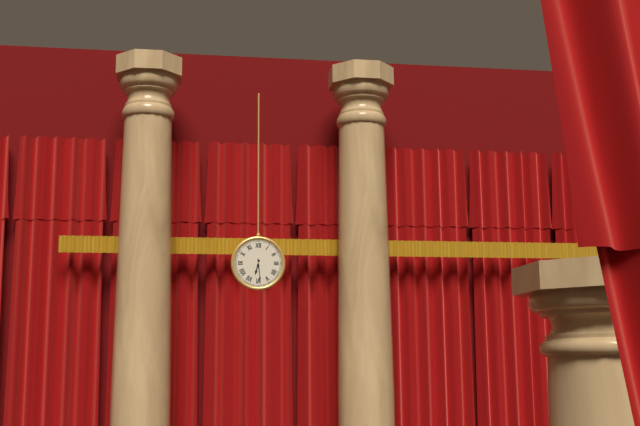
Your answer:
6 h 29 min
